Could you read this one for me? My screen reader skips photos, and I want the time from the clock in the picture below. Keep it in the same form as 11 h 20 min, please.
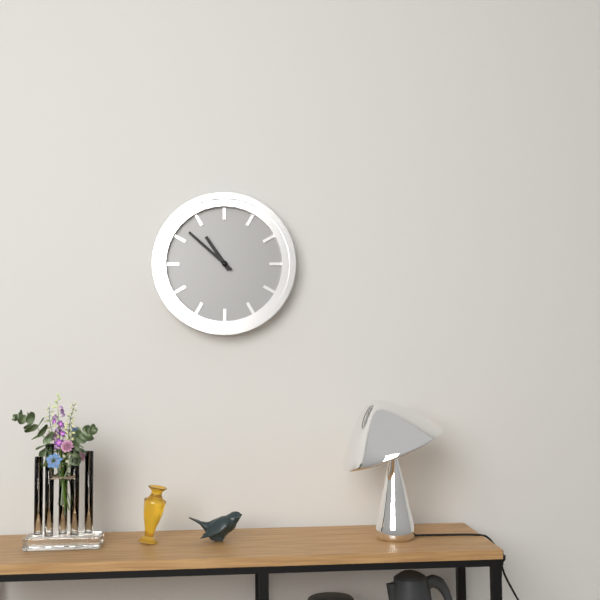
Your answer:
10 h 52 min
